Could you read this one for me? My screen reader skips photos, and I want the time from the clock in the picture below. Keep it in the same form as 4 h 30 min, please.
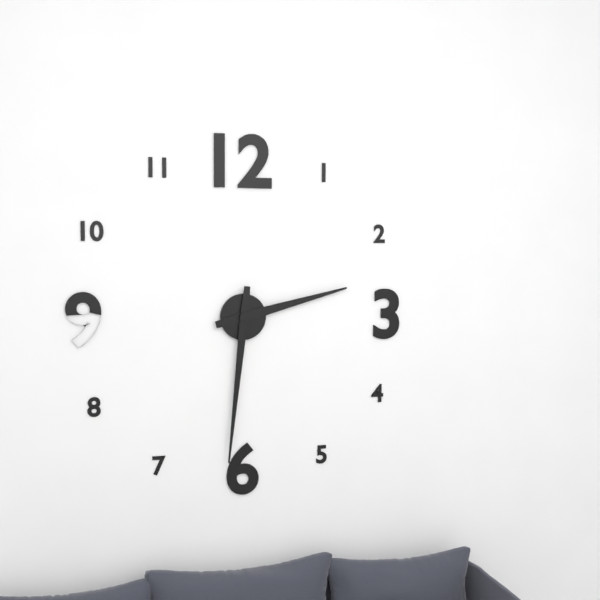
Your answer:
2 h 31 min
